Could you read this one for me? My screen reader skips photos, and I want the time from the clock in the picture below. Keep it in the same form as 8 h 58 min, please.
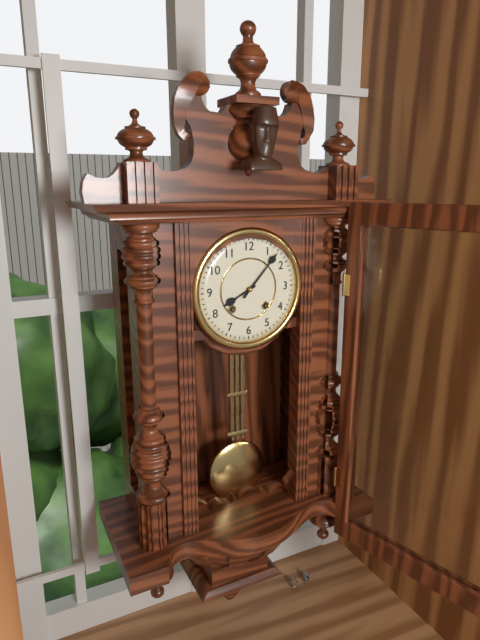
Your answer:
8 h 07 min
